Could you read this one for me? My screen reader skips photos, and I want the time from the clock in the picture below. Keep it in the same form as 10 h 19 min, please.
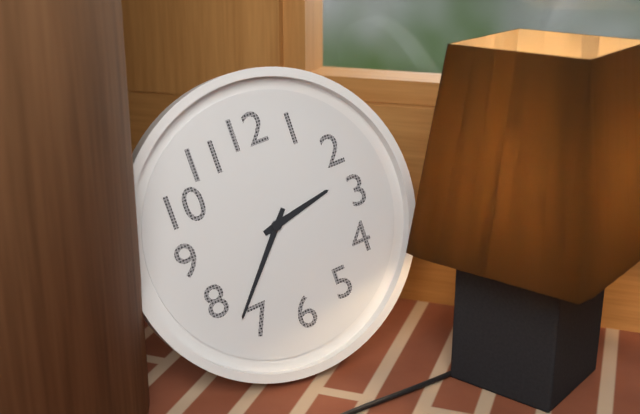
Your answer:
2 h 37 min
